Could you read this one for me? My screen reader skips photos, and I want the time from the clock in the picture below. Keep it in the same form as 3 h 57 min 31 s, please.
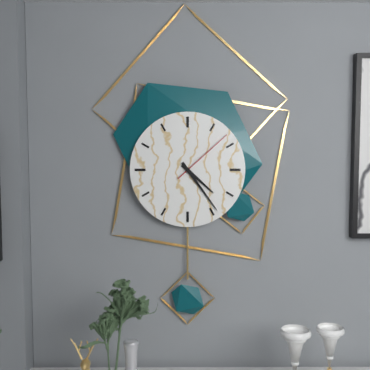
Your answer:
4 h 24 min 08 s
